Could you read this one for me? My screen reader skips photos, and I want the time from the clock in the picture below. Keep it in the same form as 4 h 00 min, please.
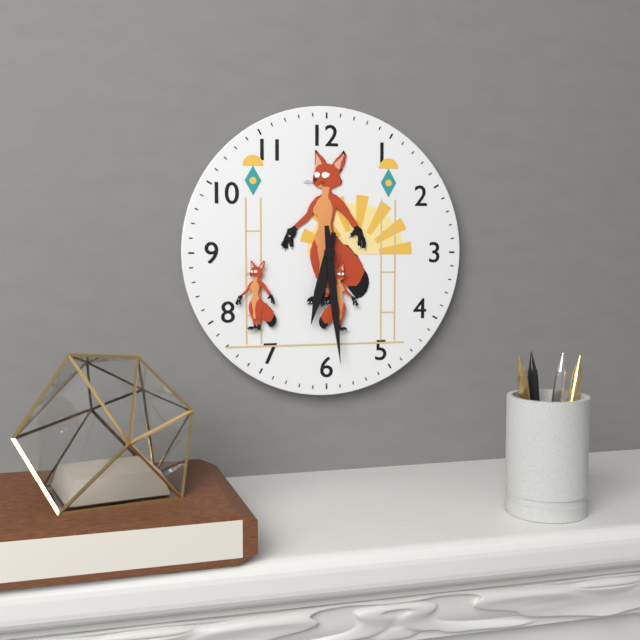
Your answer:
6 h 29 min
